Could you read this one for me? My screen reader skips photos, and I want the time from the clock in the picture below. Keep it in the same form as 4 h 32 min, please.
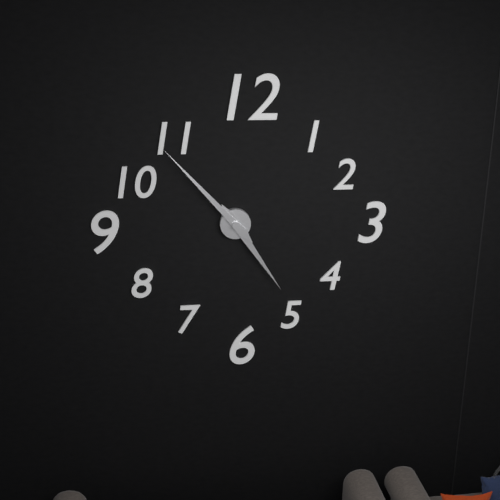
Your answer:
4 h 53 min
